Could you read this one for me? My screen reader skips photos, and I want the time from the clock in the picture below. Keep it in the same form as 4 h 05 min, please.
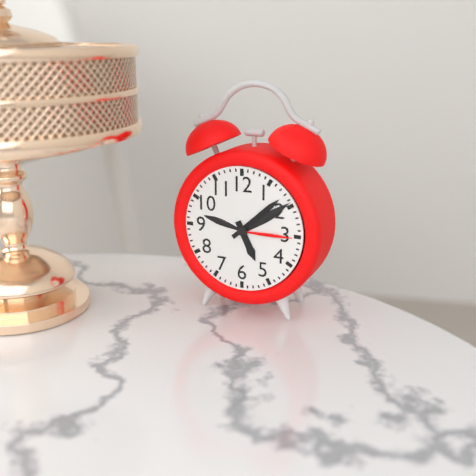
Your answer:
5 h 08 min
